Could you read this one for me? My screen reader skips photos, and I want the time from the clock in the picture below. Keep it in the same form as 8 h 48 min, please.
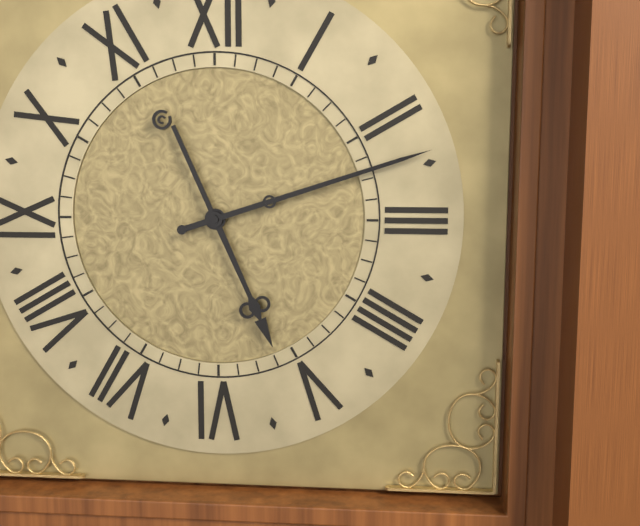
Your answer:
5 h 12 min
